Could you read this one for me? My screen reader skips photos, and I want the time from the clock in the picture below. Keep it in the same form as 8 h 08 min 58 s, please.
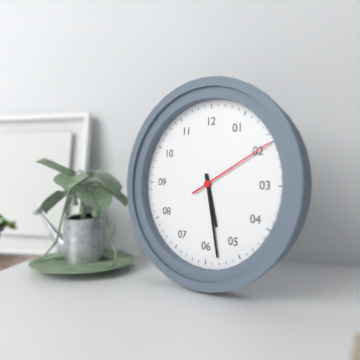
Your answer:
5 h 28 min 10 s
